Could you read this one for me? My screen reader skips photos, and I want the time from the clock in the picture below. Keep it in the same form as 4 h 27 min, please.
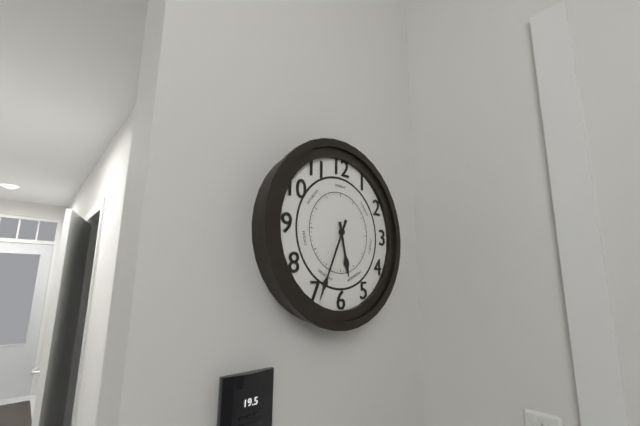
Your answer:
5 h 34 min
